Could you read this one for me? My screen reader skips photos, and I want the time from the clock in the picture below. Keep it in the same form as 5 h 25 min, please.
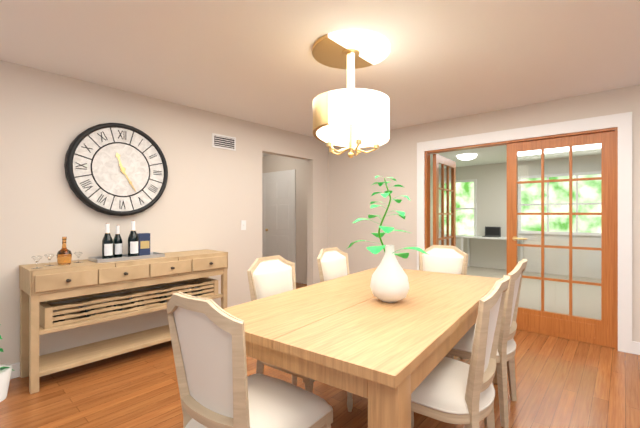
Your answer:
11 h 25 min
